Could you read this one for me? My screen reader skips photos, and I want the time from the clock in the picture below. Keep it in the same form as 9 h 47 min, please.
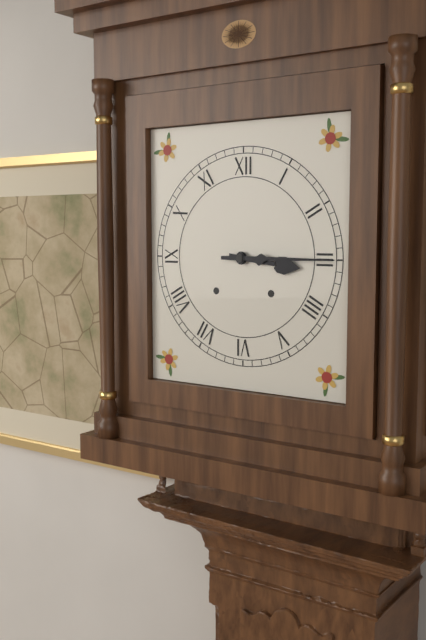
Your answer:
3 h 15 min
